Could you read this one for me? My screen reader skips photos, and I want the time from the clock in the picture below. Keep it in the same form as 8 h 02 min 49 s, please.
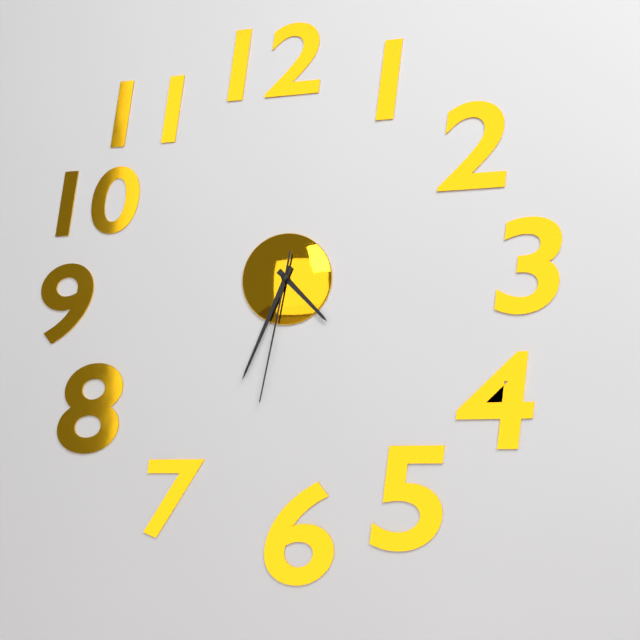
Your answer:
4 h 34 min 32 s
